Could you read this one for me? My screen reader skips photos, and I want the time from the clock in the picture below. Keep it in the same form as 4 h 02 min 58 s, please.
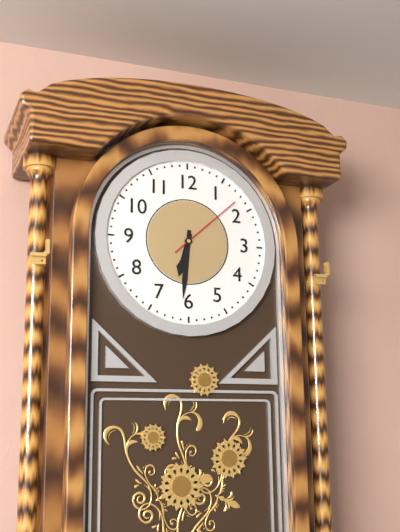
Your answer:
6 h 31 min 08 s
